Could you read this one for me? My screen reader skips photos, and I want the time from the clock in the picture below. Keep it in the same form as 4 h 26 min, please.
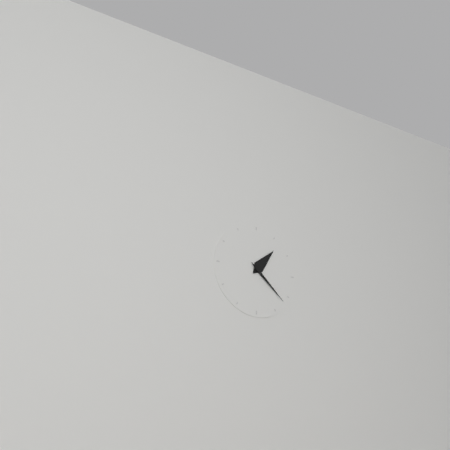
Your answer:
1 h 22 min
